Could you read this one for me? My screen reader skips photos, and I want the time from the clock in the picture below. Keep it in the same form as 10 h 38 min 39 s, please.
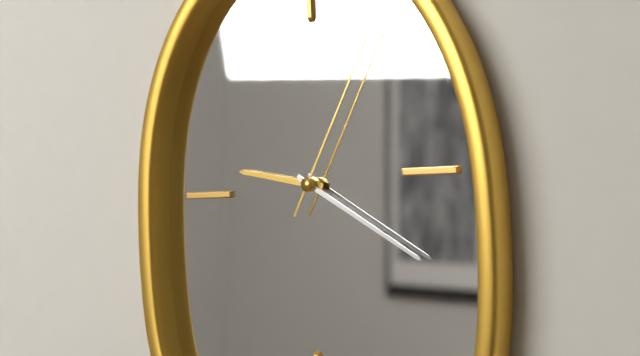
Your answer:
9 h 20 min 05 s
